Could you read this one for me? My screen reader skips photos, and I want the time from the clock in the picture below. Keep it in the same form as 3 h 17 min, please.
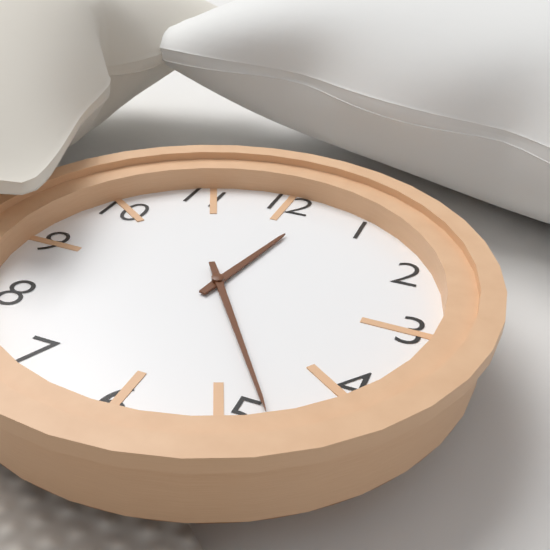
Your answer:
12 h 24 min
